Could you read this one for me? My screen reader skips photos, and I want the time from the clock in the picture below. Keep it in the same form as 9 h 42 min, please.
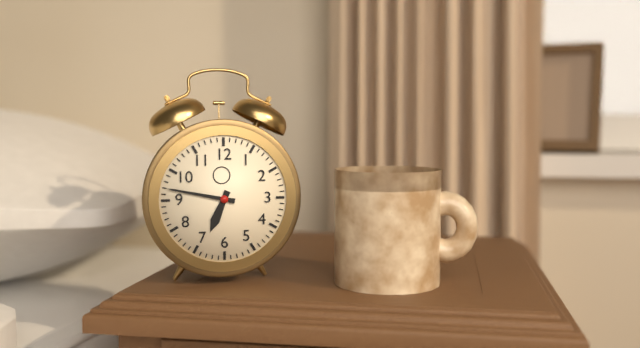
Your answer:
6 h 47 min
